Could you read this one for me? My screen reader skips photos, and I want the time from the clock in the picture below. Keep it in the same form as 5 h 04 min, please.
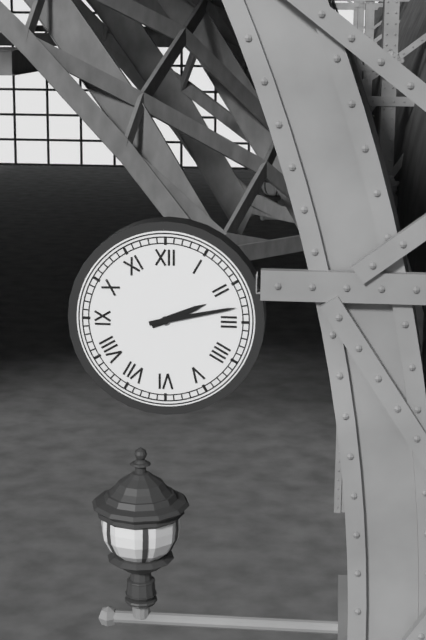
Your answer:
2 h 13 min
